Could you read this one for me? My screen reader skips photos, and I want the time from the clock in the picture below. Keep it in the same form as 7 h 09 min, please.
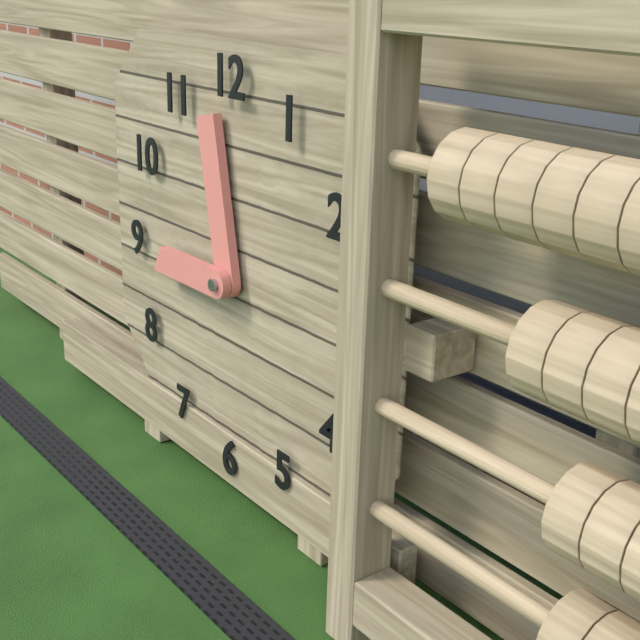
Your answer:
8 h 58 min
